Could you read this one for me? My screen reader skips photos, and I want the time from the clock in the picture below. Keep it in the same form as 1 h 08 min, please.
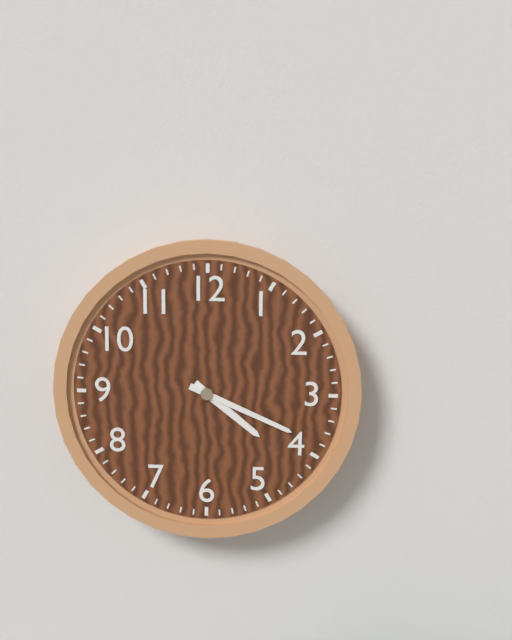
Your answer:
4 h 19 min
